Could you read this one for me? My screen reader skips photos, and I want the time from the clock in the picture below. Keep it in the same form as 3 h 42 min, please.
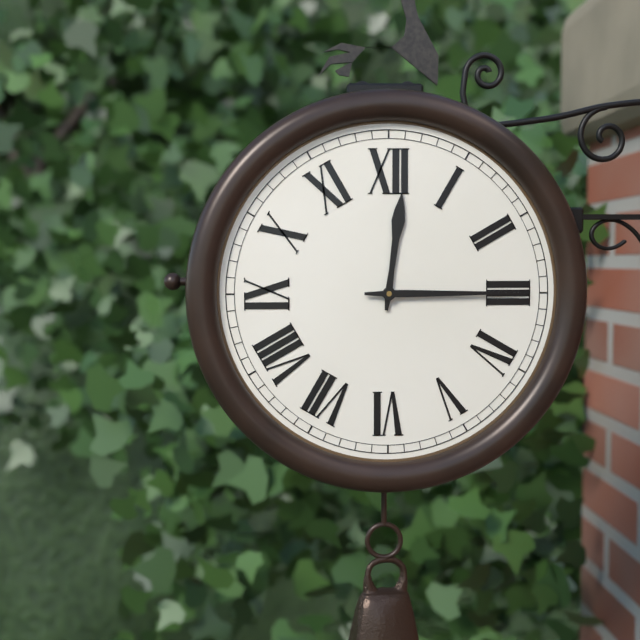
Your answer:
12 h 15 min
